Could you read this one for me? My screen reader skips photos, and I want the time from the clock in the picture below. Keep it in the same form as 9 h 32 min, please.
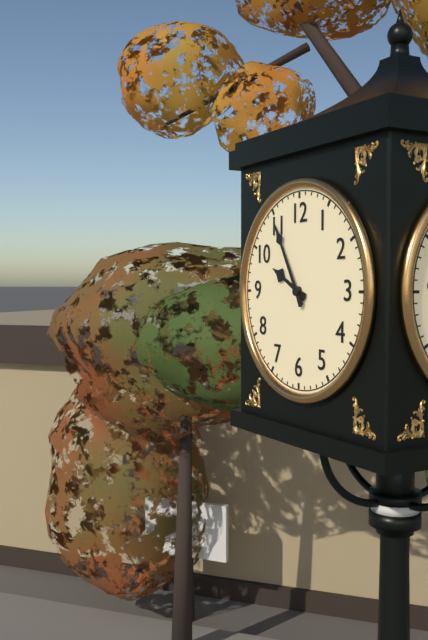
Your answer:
9 h 55 min
